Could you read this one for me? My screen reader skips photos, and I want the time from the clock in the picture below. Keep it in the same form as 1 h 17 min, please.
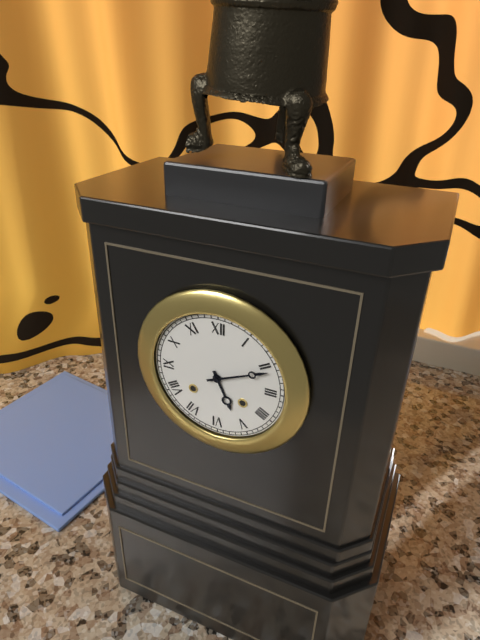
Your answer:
5 h 11 min
